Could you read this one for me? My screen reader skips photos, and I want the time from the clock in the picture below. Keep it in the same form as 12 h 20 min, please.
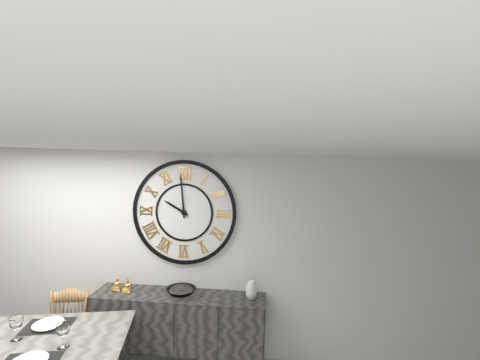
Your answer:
9 h 59 min
